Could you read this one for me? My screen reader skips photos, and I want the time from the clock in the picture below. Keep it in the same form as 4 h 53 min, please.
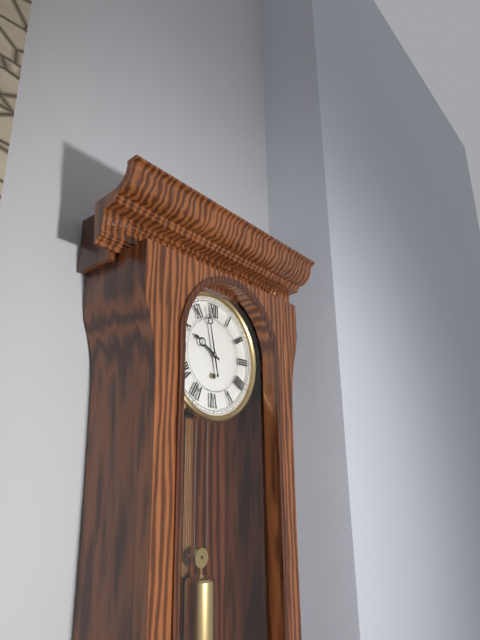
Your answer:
9 h 58 min
